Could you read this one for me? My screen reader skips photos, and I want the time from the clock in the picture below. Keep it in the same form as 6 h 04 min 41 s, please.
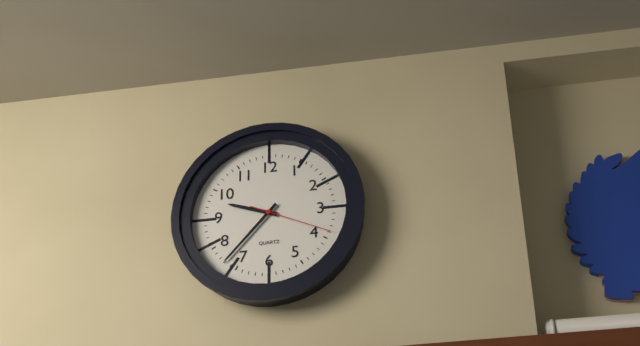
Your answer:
9 h 37 min 19 s
